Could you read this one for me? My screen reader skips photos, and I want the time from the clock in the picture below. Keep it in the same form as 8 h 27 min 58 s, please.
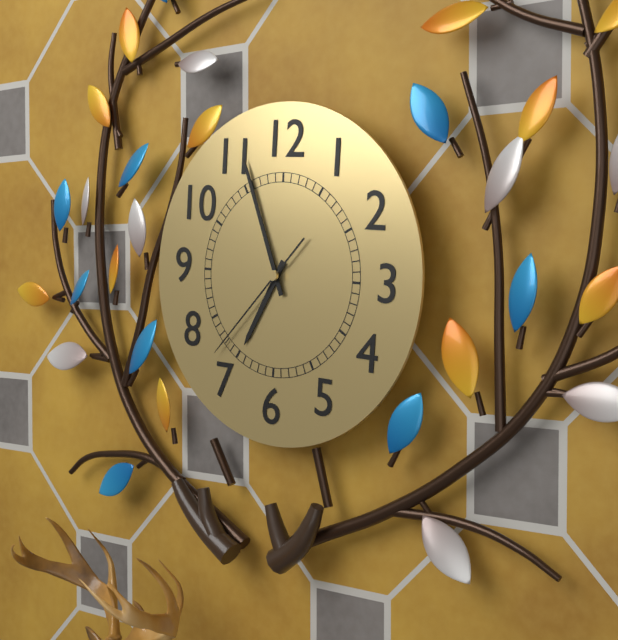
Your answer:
6 h 56 min 37 s
